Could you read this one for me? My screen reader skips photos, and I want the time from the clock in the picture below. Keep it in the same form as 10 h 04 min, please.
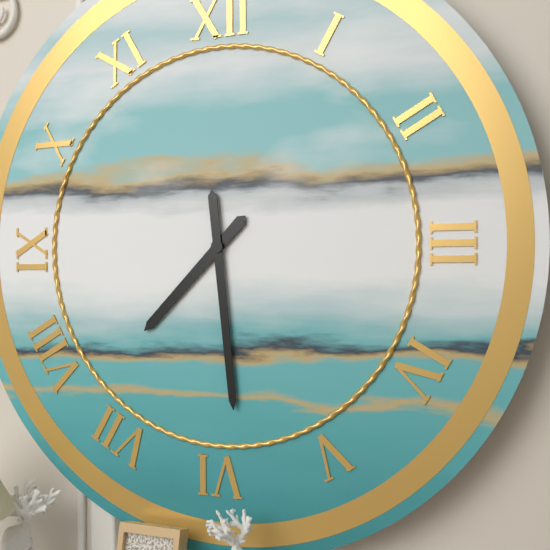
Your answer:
7 h 29 min
